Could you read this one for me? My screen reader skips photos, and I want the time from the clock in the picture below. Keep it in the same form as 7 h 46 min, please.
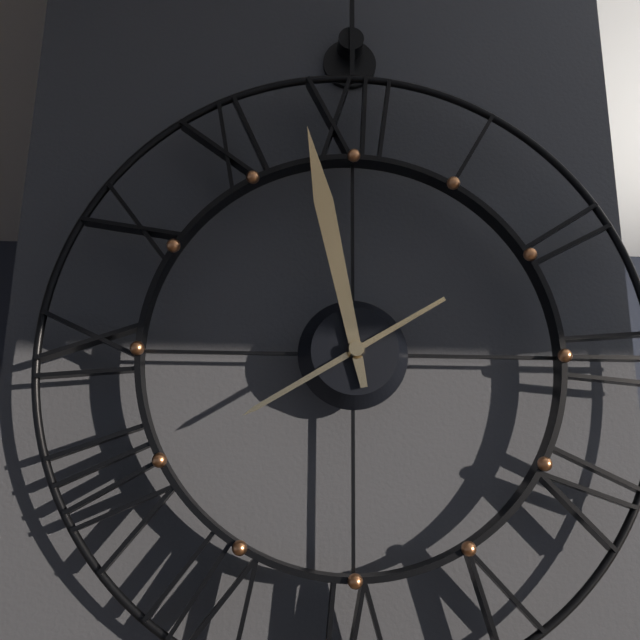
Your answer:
7 h 58 min
